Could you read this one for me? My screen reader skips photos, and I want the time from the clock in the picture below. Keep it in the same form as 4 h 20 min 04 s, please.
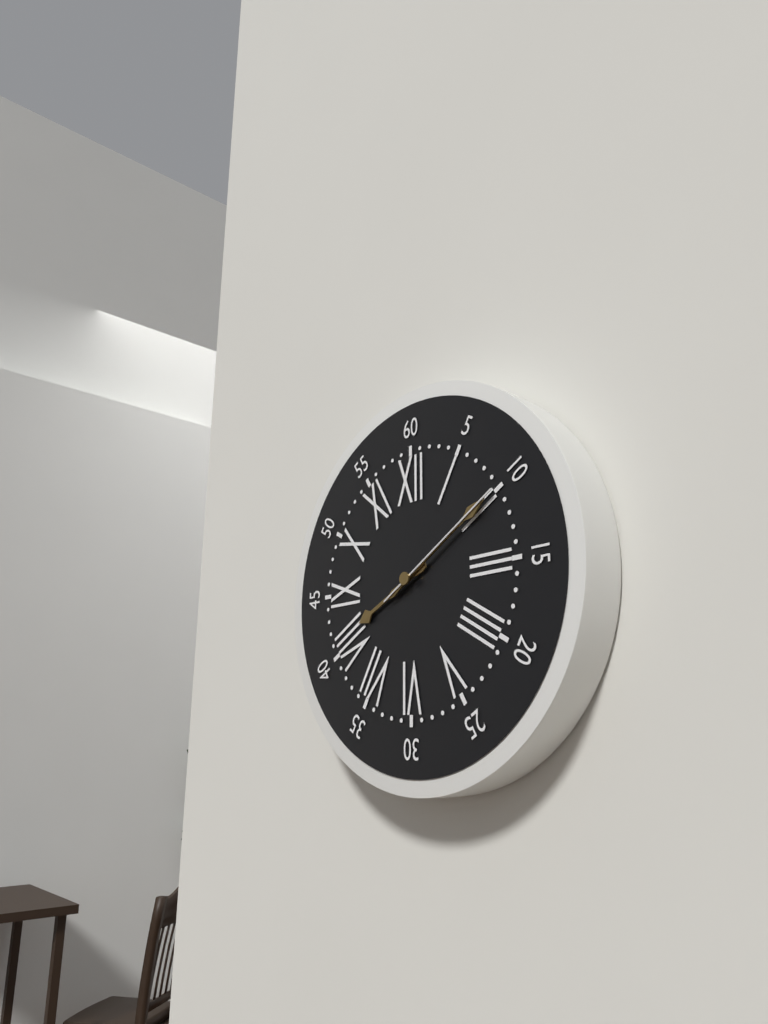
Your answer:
8 h 10 min 10 s
